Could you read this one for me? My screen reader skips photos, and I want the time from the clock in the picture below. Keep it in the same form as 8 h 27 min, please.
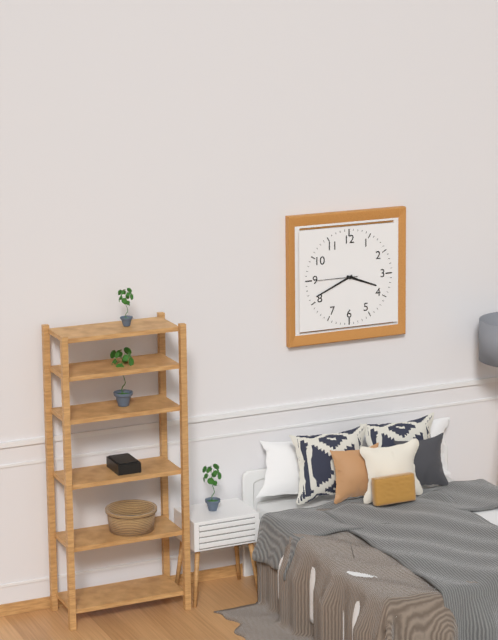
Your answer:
3 h 41 min
